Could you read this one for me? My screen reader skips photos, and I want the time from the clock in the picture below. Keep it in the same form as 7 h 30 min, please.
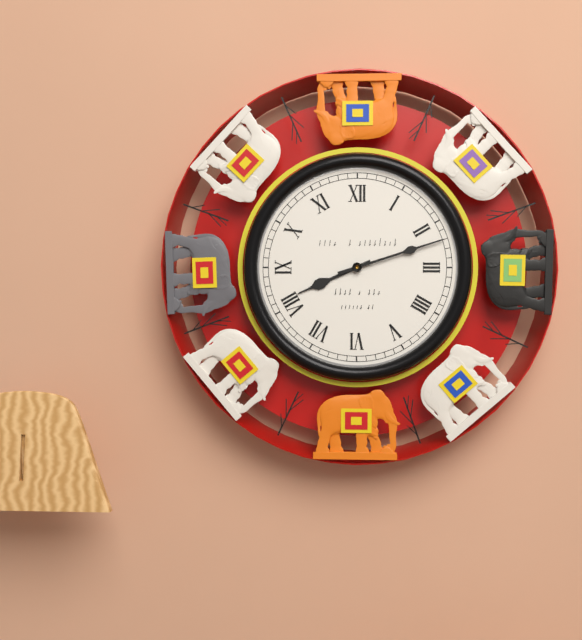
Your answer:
8 h 12 min
